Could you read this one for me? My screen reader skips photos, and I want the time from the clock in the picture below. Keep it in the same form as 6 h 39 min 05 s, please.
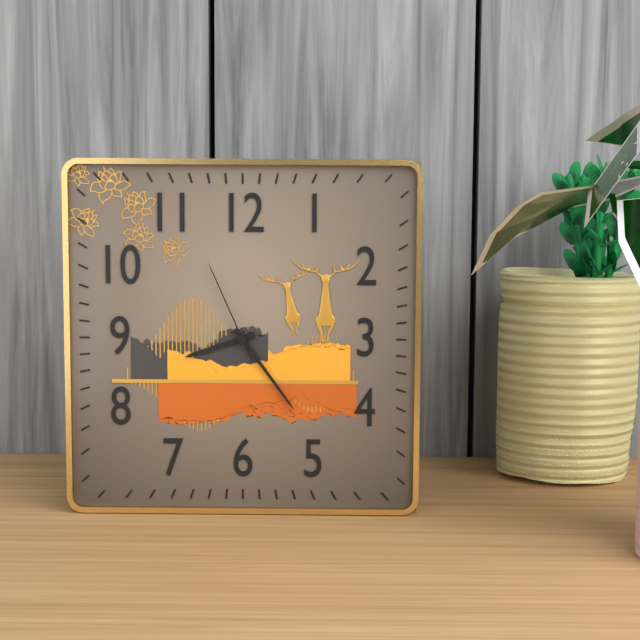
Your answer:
8 h 24 min 56 s
